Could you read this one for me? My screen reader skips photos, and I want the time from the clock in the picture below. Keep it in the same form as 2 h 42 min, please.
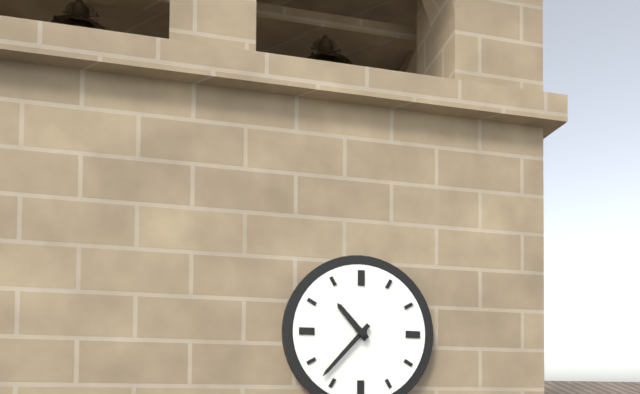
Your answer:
10 h 37 min
